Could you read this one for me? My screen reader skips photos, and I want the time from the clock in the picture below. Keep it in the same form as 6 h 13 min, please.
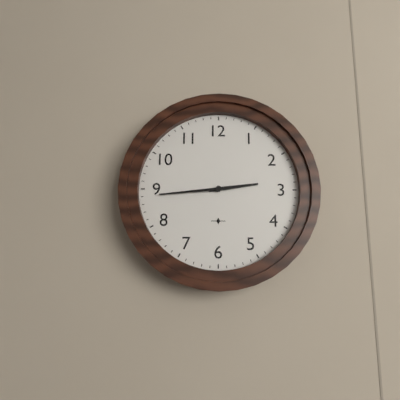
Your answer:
2 h 44 min
